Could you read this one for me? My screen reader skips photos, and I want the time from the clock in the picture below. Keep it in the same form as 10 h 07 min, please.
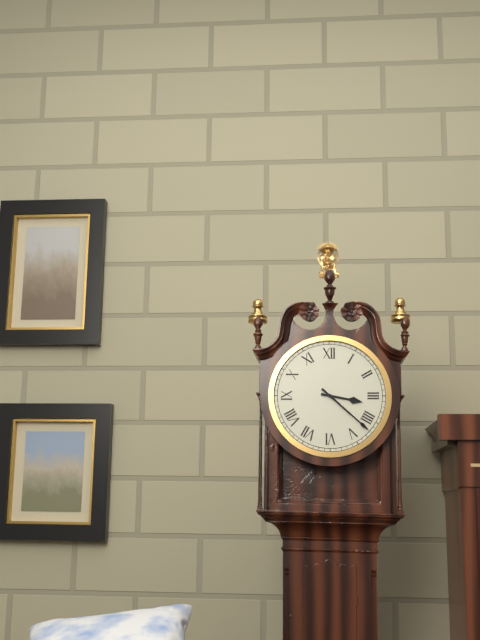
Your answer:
3 h 22 min
